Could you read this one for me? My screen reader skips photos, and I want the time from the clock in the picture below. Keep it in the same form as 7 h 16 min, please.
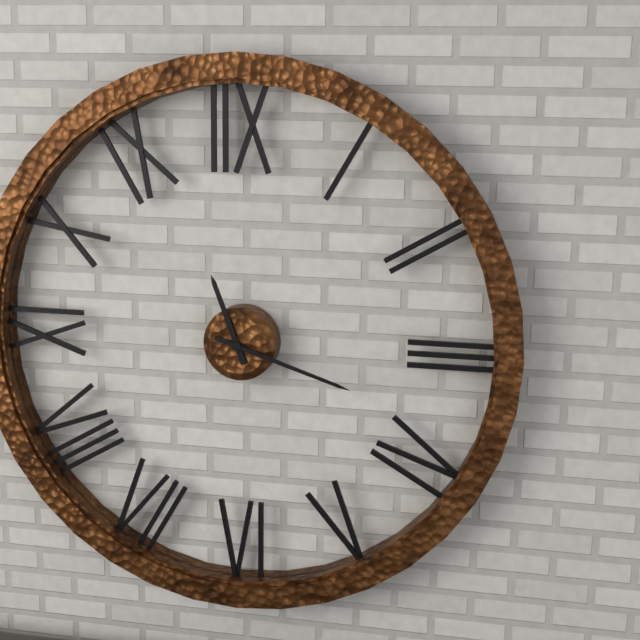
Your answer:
11 h 18 min
